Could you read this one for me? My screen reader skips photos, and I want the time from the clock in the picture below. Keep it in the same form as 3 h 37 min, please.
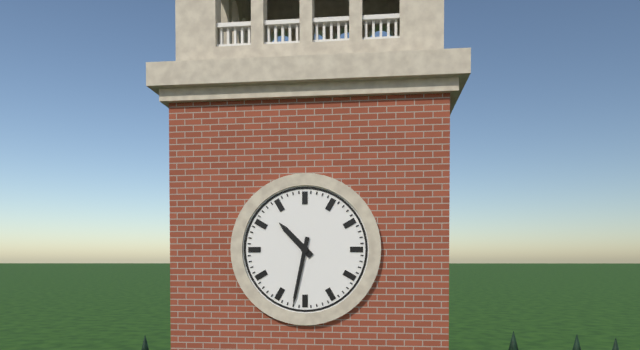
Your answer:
10 h 32 min
